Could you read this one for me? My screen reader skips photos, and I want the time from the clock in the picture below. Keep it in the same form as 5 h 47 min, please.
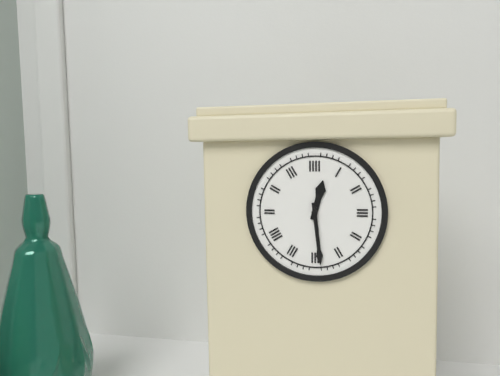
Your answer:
12 h 29 min
